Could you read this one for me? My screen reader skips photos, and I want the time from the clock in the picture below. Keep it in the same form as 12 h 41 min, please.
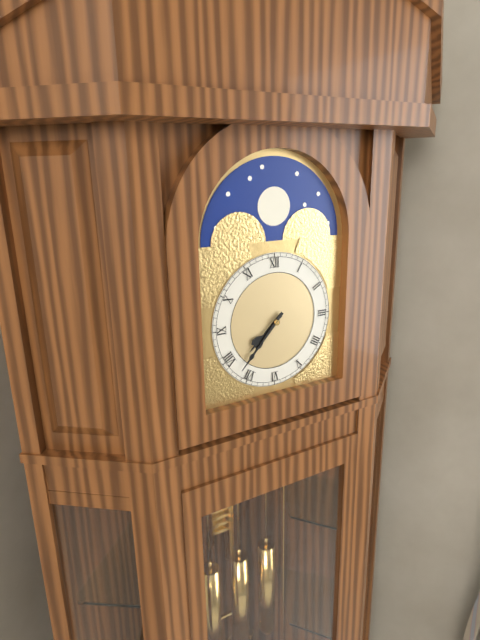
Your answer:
7 h 37 min
